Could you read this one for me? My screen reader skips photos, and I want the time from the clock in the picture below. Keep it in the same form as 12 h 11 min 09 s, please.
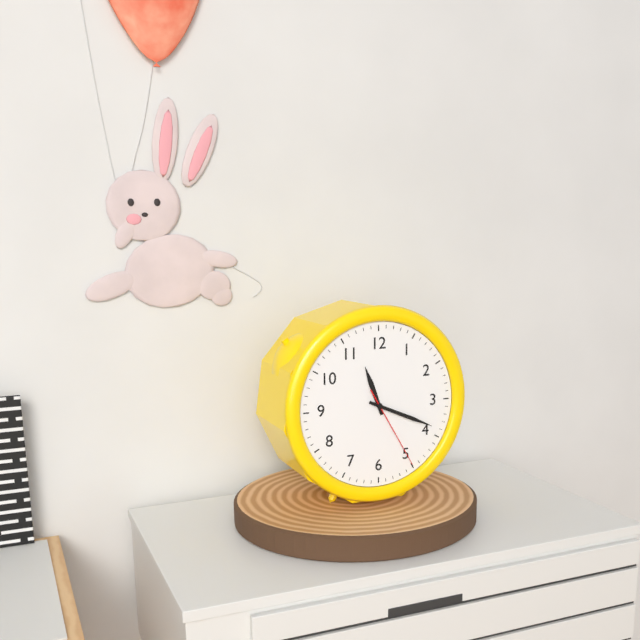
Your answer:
11 h 19 min 25 s
